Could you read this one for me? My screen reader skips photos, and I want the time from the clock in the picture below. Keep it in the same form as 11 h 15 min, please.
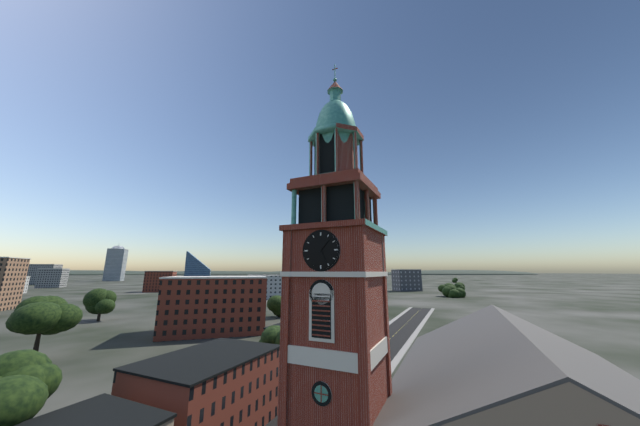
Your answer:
5 h 07 min
